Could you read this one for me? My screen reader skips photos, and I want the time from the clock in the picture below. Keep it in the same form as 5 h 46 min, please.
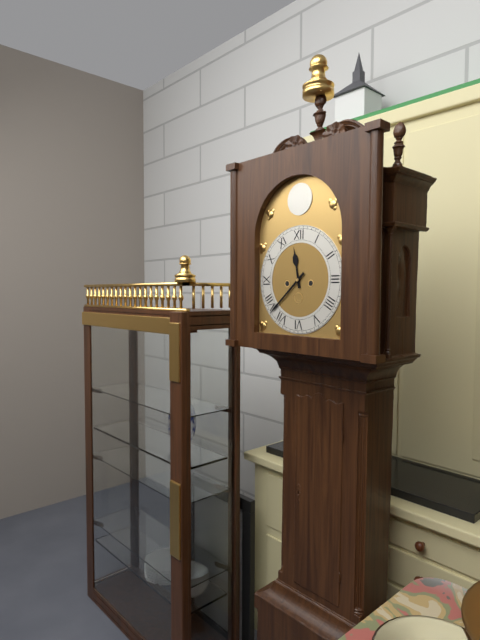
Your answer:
11 h 38 min
